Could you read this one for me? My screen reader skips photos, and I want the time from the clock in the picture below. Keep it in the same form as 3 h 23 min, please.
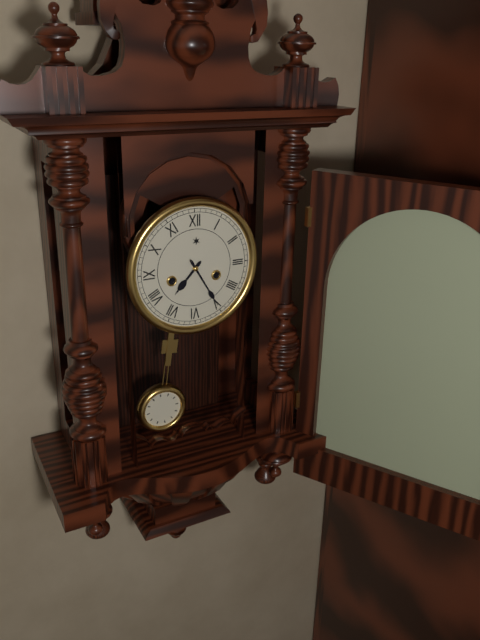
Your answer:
7 h 25 min
